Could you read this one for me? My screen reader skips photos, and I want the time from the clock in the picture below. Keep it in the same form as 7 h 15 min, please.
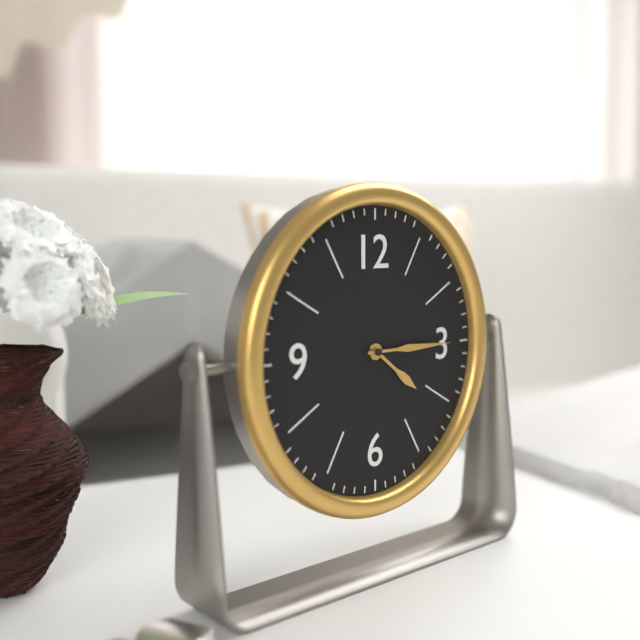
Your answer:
4 h 15 min
